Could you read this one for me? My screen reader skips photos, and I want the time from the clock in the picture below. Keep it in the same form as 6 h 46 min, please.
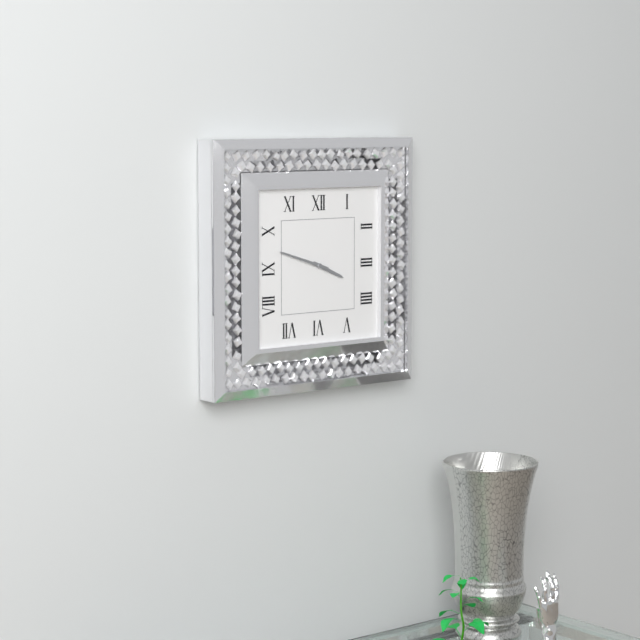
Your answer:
3 h 48 min
